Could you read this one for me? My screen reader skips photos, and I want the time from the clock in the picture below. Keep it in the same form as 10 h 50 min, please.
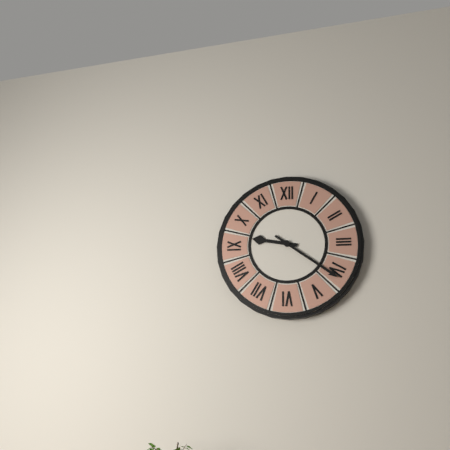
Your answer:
9 h 21 min
